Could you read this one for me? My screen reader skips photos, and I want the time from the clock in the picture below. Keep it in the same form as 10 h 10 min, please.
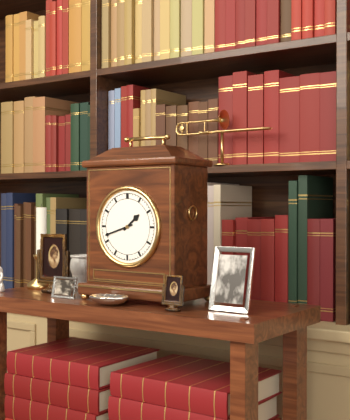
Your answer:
1 h 42 min
